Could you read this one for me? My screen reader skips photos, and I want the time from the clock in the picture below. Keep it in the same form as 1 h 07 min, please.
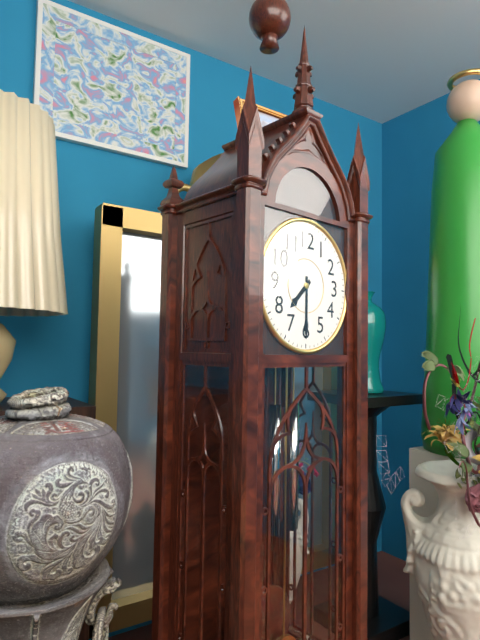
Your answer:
7 h 30 min
